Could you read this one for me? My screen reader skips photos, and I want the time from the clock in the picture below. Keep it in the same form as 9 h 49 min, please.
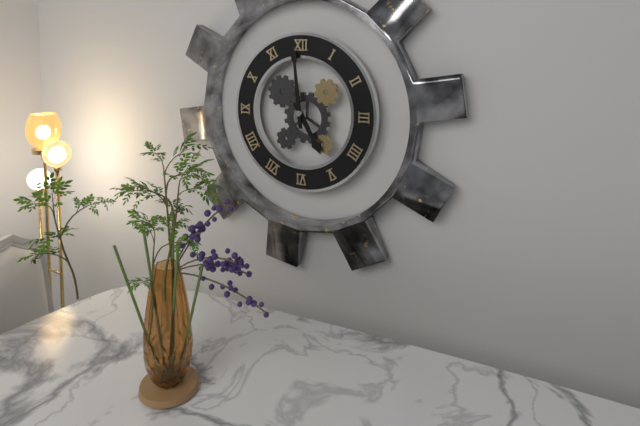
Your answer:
4 h 59 min
